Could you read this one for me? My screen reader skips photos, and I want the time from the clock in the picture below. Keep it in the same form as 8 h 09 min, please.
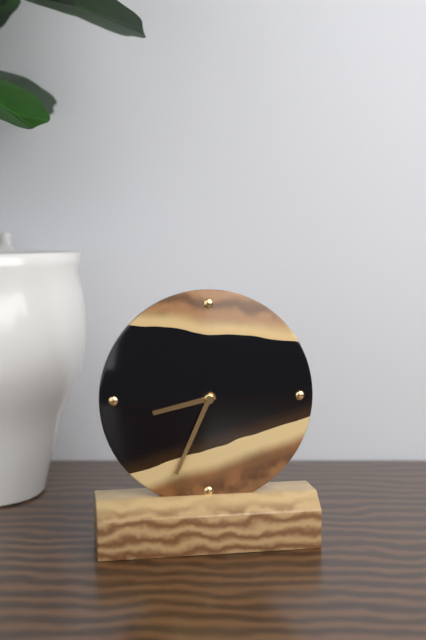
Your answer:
8 h 34 min
